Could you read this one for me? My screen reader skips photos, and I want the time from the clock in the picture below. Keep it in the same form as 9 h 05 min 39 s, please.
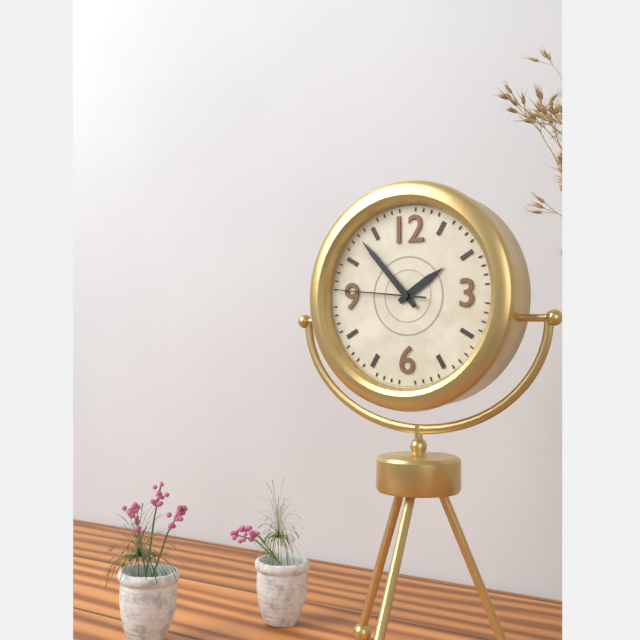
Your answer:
1 h 53 min 46 s
